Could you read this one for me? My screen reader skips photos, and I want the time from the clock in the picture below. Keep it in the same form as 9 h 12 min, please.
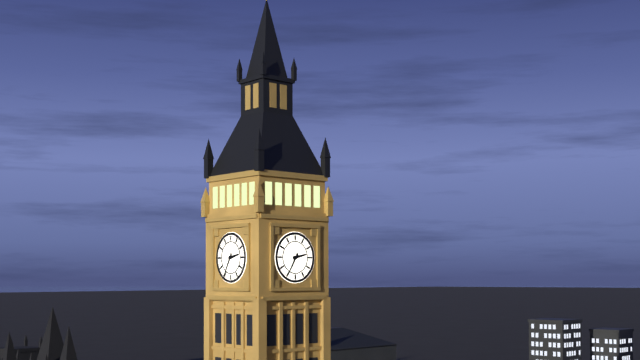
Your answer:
2 h 35 min
